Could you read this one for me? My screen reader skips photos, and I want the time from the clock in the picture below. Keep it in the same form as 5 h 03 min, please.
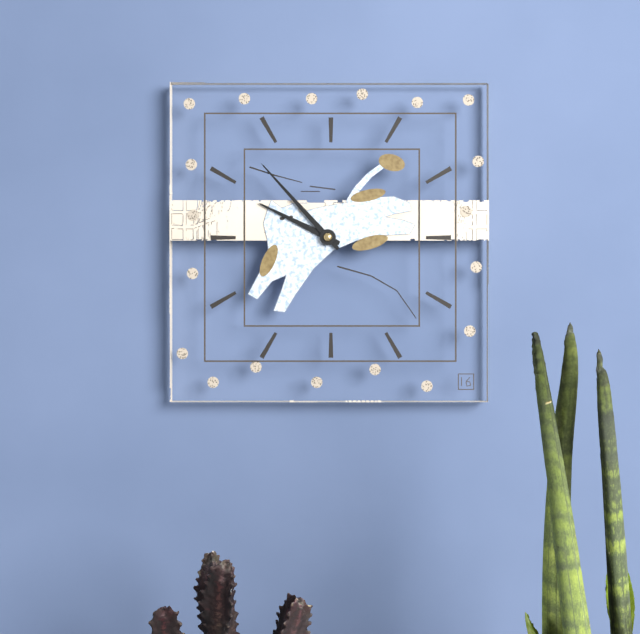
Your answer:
9 h 53 min
